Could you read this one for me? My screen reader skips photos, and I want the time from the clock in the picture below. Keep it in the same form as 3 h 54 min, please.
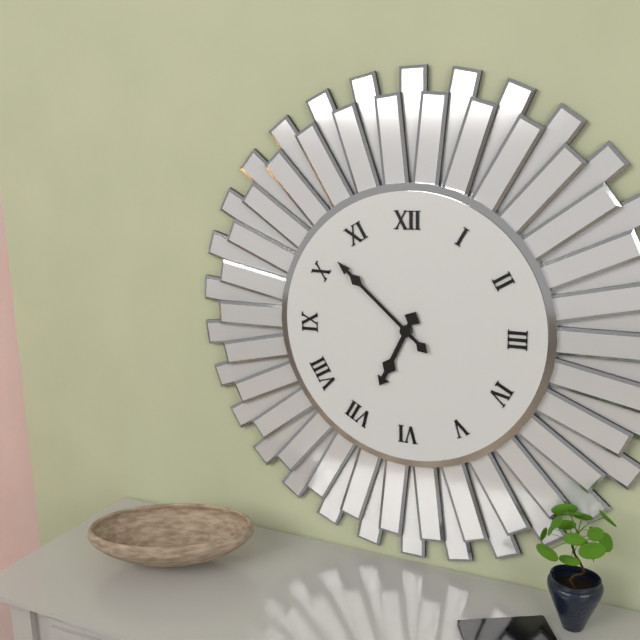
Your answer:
6 h 52 min
